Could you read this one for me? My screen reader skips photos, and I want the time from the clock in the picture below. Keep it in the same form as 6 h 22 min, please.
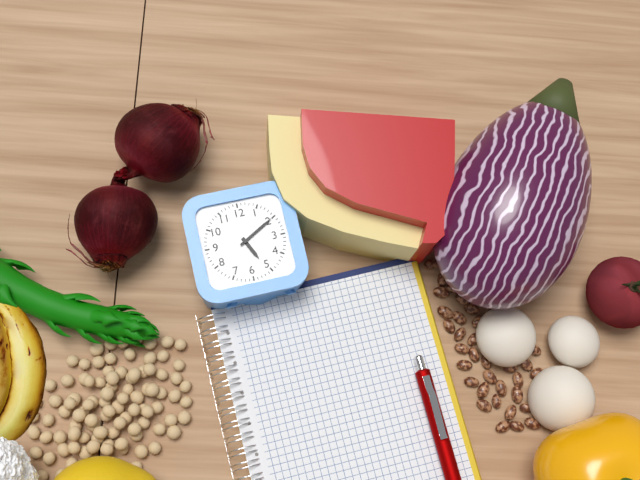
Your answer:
5 h 10 min
